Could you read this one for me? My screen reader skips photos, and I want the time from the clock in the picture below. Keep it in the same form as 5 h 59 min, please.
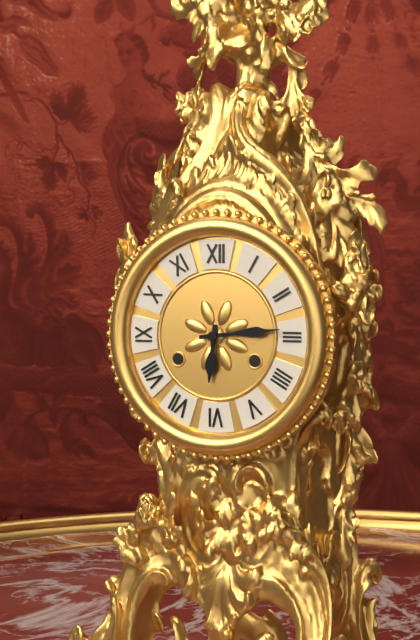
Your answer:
6 h 14 min
